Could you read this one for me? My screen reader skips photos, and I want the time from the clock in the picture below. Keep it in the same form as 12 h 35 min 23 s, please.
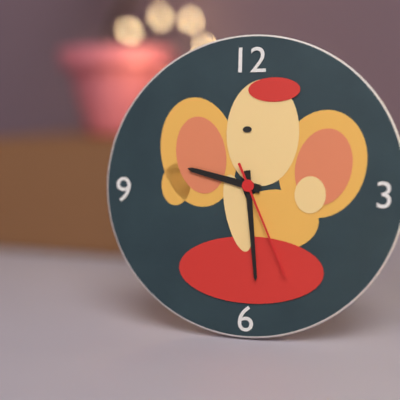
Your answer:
9 h 29 min 26 s
